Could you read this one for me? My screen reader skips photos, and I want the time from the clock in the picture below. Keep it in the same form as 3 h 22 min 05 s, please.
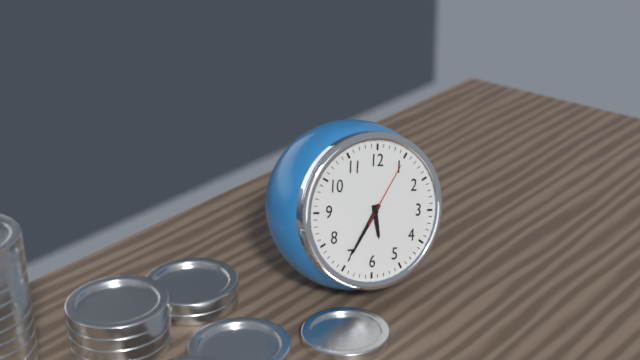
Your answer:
5 h 35 min 05 s
